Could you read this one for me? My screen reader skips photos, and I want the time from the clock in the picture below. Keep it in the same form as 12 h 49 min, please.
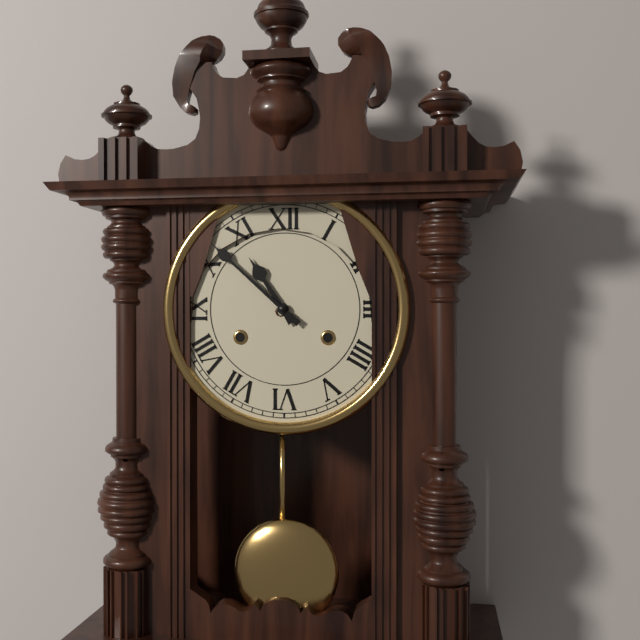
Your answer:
10 h 52 min
